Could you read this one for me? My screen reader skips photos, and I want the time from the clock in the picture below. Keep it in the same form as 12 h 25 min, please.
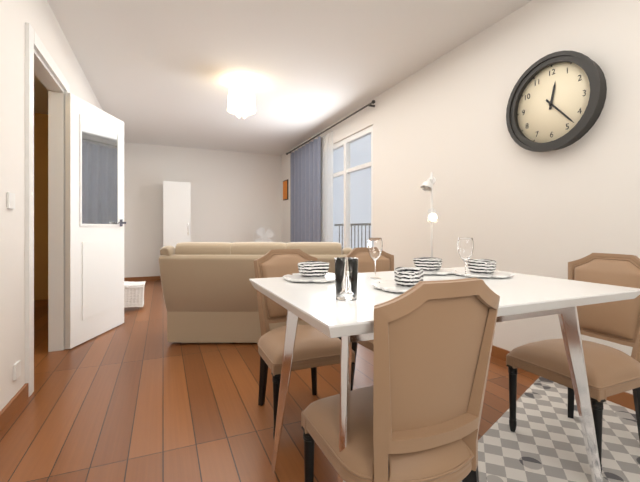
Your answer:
12 h 23 min
